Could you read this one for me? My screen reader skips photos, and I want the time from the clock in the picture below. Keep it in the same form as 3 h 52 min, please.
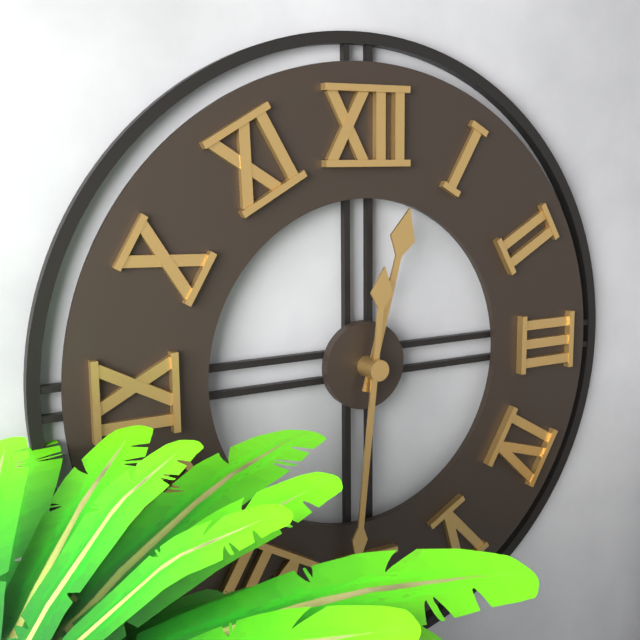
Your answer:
12 h 31 min
